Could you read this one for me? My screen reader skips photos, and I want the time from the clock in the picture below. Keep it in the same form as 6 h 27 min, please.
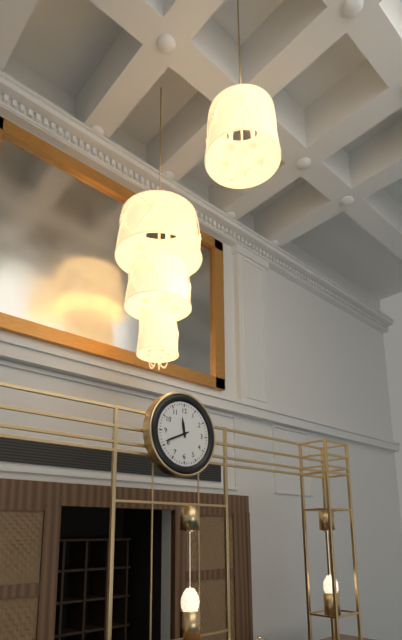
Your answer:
11 h 41 min
